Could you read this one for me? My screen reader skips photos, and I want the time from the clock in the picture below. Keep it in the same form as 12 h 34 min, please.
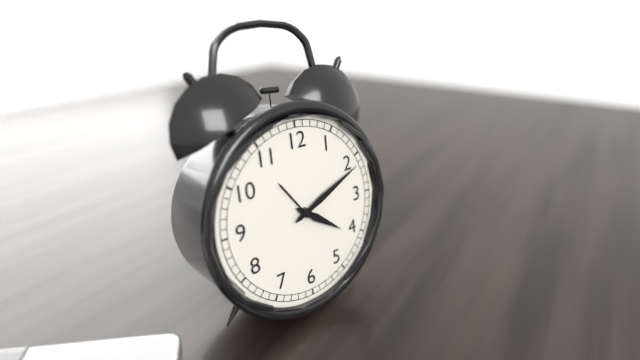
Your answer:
4 h 11 min
